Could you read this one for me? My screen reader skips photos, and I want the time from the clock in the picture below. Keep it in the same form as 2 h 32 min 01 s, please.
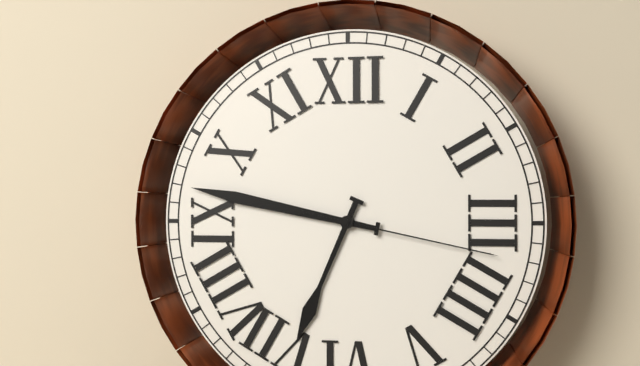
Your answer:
6 h 47 min 17 s
